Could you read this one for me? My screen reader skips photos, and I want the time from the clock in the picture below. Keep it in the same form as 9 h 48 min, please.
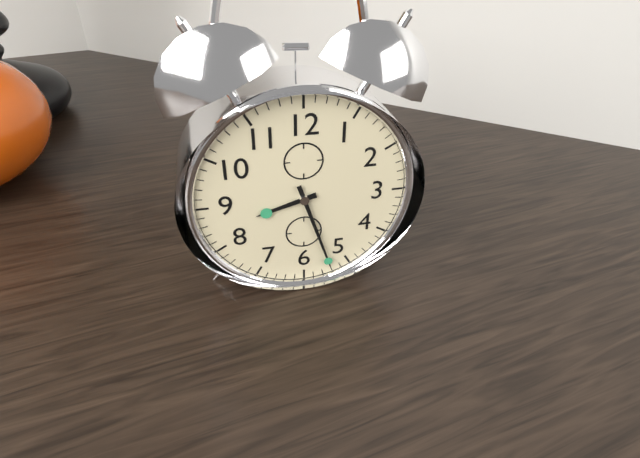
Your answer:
8 h 27 min
